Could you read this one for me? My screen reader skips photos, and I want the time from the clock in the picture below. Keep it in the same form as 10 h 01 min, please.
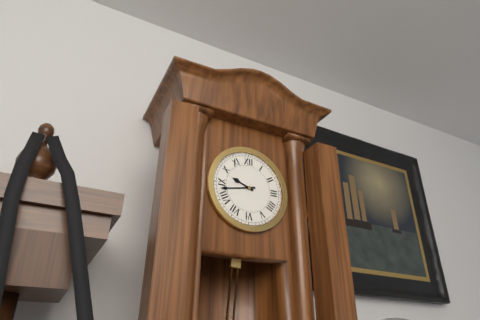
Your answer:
9 h 43 min
